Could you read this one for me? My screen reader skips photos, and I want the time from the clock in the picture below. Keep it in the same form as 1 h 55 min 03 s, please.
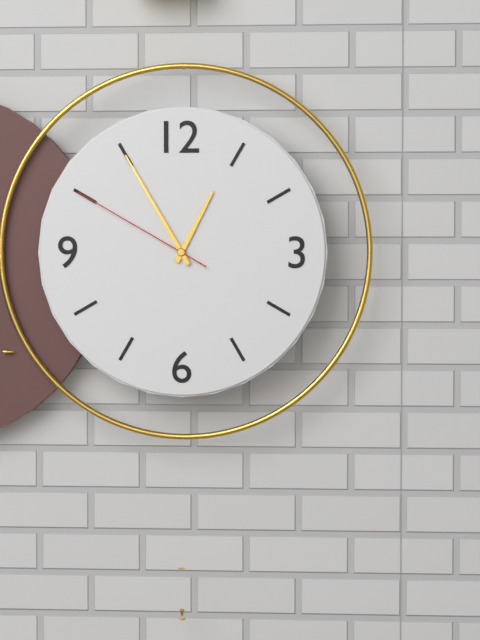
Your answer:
12 h 55 min 50 s
